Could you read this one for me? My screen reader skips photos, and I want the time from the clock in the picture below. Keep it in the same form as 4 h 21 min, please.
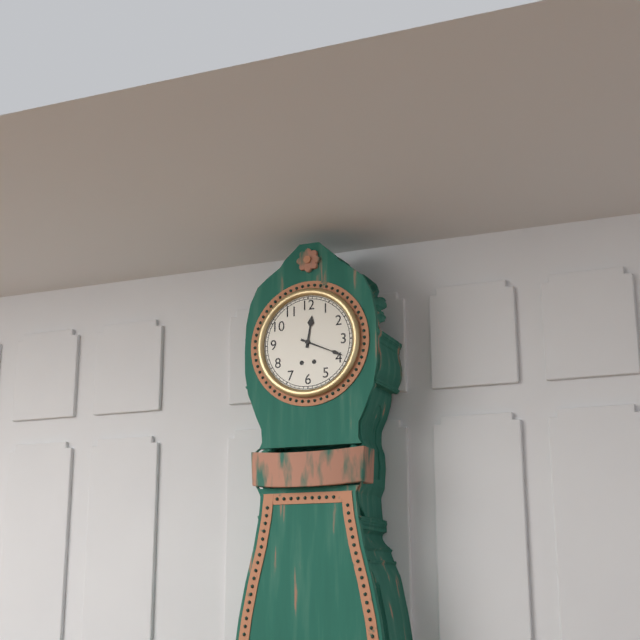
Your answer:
12 h 19 min
